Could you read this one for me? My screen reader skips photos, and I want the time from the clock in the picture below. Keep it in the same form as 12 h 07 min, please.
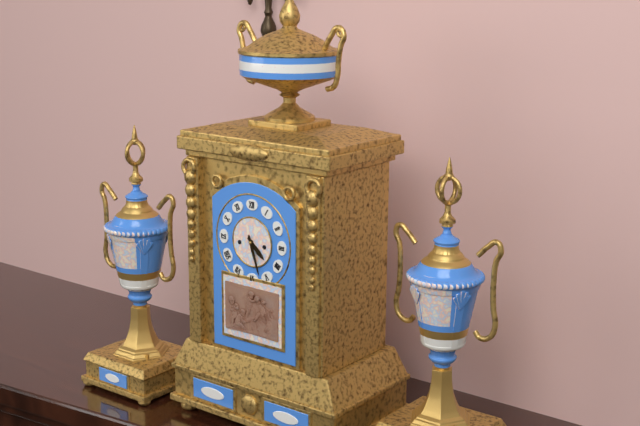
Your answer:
4 h 27 min
